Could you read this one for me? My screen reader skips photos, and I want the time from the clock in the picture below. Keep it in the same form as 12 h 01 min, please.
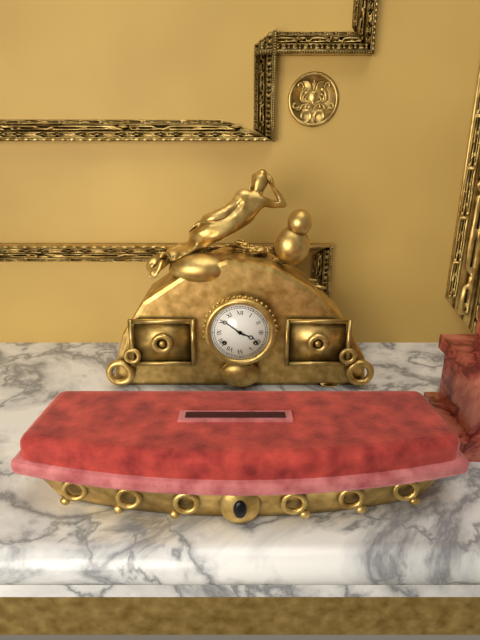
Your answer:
3 h 51 min
